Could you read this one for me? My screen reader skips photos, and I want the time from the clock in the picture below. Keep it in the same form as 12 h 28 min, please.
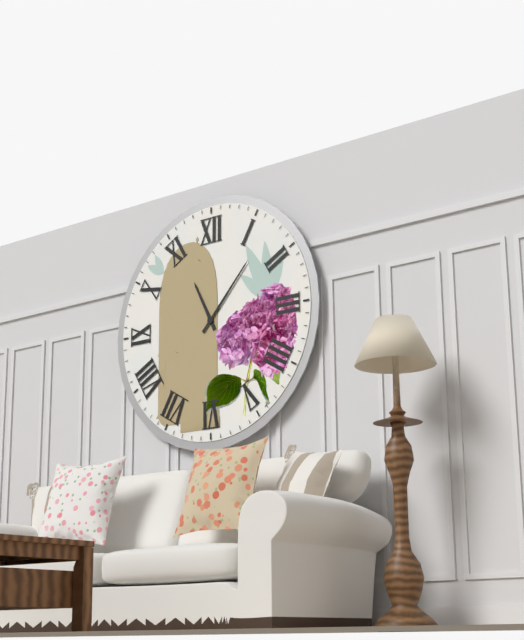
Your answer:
11 h 07 min
